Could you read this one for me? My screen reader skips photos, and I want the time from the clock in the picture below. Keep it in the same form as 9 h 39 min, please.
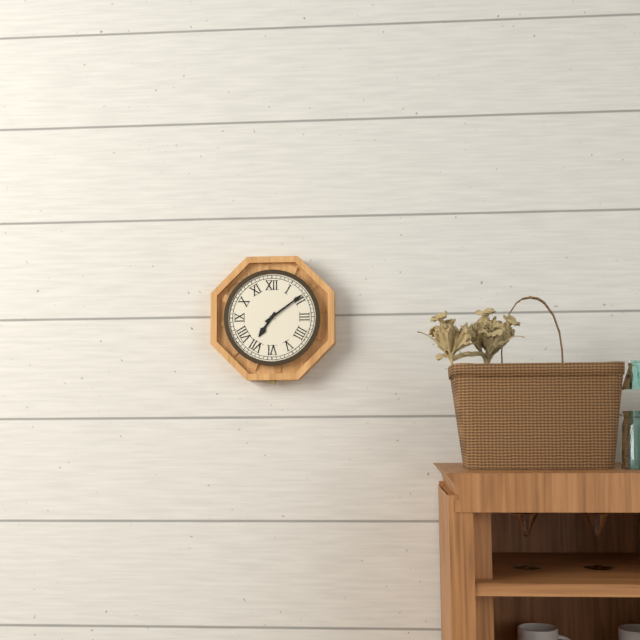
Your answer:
7 h 09 min
